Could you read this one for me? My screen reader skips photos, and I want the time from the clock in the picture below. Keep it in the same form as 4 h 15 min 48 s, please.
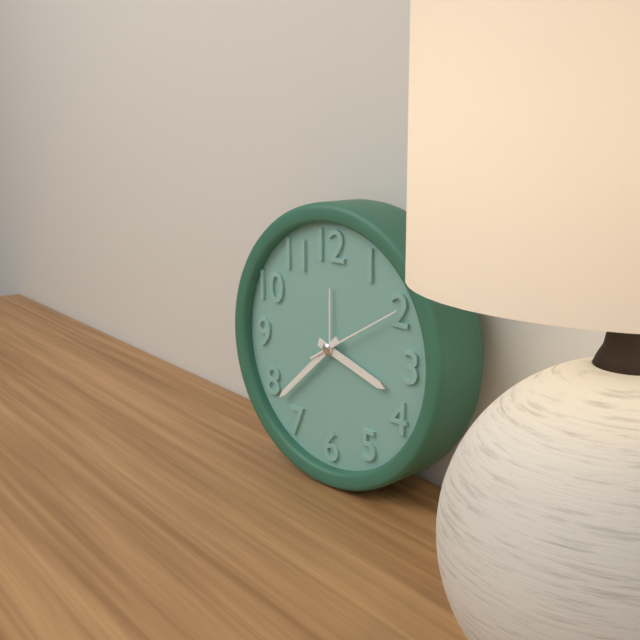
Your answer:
3 h 38 min 10 s
